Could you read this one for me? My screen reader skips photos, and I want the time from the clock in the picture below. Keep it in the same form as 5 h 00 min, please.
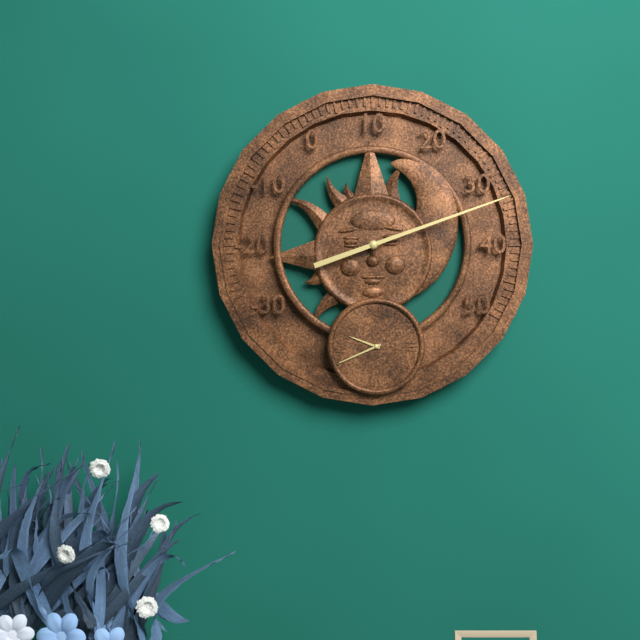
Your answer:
9 h 41 min
